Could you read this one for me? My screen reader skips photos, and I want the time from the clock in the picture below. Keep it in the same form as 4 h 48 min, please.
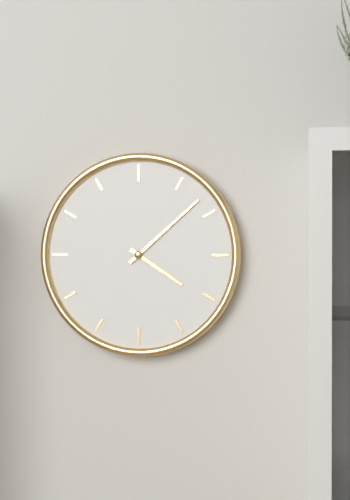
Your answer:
4 h 08 min
